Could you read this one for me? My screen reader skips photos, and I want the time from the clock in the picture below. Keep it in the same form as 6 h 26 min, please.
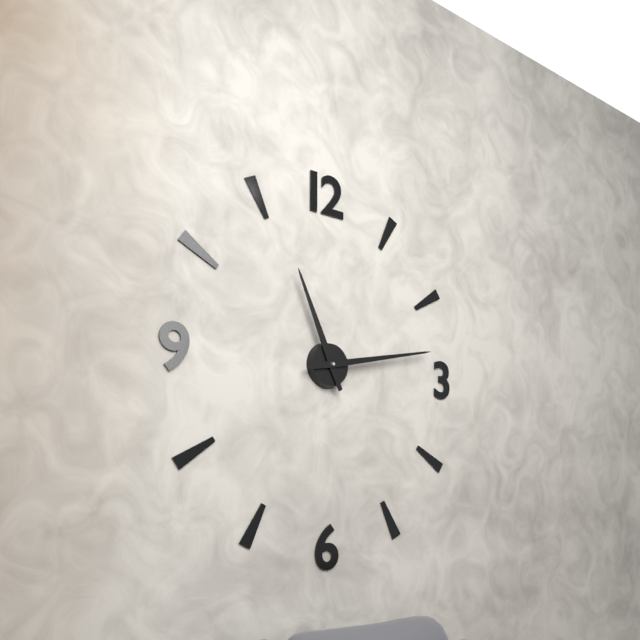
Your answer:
11 h 13 min
